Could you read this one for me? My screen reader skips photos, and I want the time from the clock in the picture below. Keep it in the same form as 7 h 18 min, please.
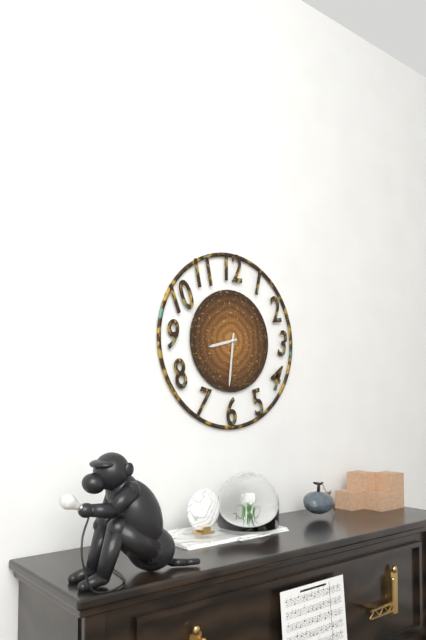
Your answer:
8 h 31 min
